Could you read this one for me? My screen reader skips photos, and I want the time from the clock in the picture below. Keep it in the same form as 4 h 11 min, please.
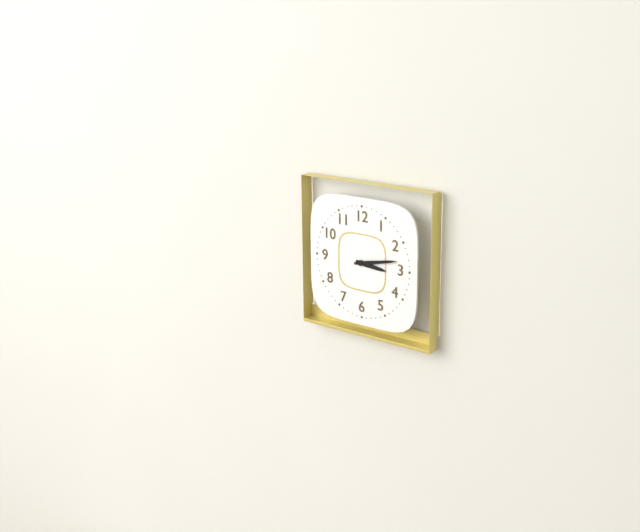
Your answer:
3 h 13 min
